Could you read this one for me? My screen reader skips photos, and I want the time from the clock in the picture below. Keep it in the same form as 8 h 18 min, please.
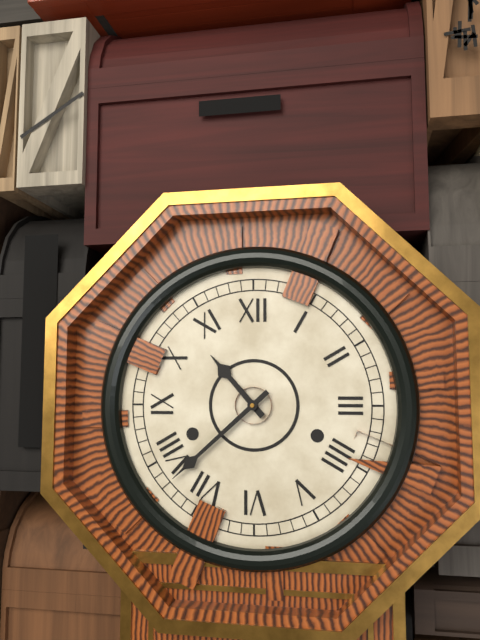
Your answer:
10 h 38 min
